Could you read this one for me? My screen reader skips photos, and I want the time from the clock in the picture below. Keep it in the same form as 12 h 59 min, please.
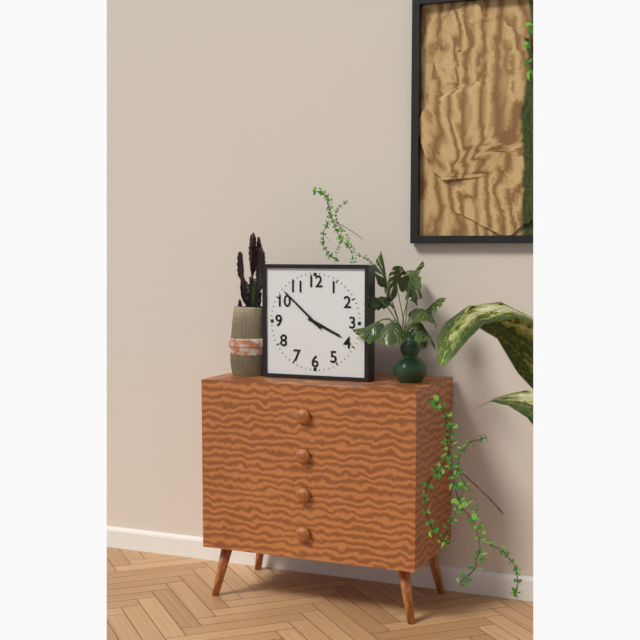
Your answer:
3 h 52 min
